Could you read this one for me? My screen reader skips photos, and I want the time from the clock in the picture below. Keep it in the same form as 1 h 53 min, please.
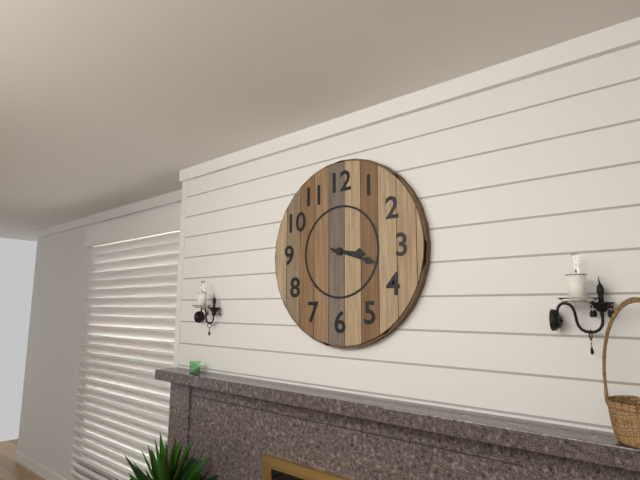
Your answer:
3 h 18 min
